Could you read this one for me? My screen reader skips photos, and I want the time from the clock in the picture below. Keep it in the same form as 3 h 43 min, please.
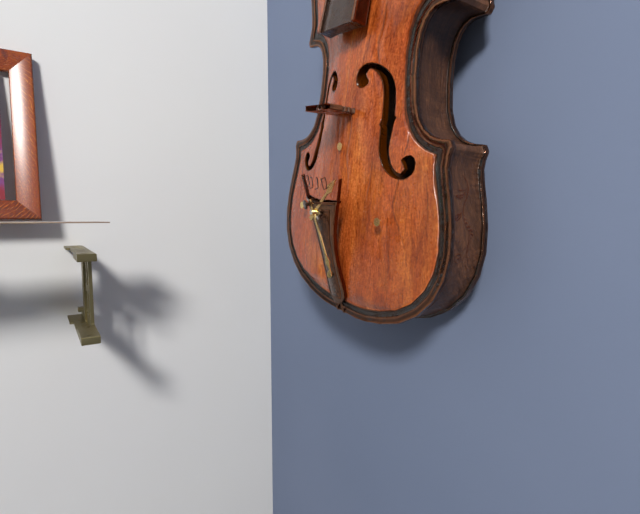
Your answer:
1 h 24 min
